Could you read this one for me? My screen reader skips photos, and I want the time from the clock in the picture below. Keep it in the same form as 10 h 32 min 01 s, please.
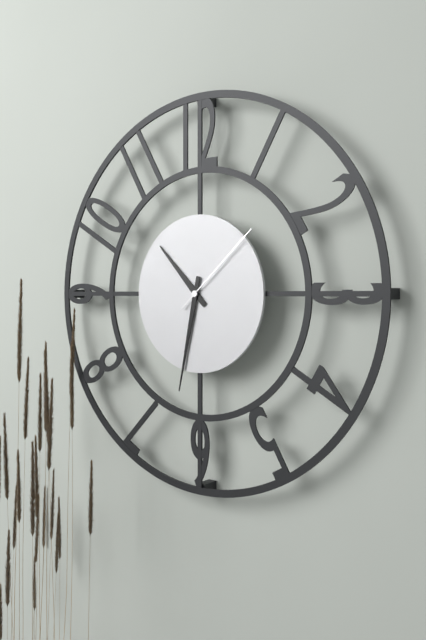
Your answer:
10 h 32 min 08 s
